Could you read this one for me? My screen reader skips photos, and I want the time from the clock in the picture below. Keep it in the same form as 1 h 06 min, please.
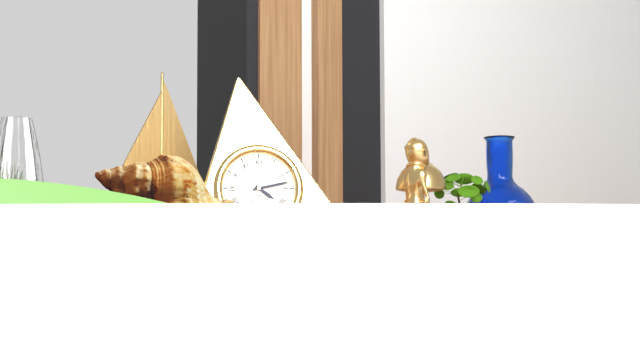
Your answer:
4 h 13 min
